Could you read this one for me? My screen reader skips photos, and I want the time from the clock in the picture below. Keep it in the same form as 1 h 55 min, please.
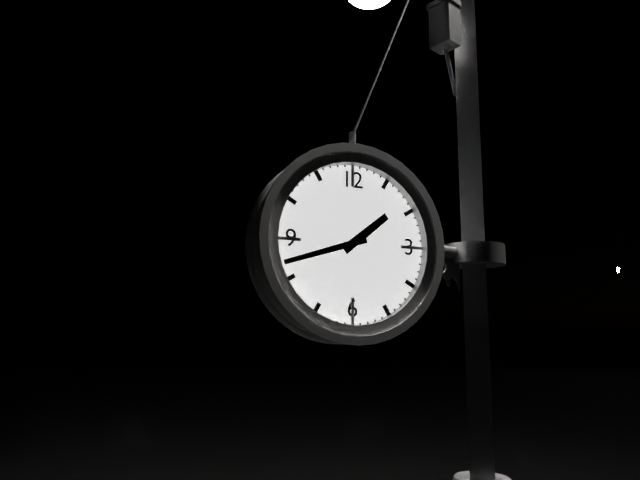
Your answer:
1 h 42 min
